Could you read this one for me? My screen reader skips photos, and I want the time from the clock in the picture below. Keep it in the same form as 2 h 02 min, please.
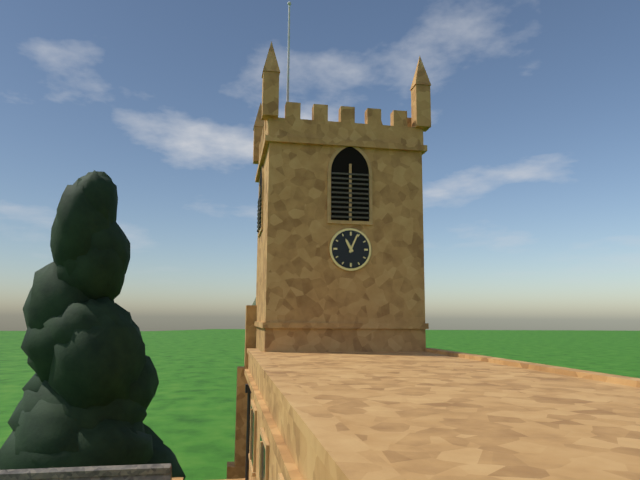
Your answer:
11 h 04 min
